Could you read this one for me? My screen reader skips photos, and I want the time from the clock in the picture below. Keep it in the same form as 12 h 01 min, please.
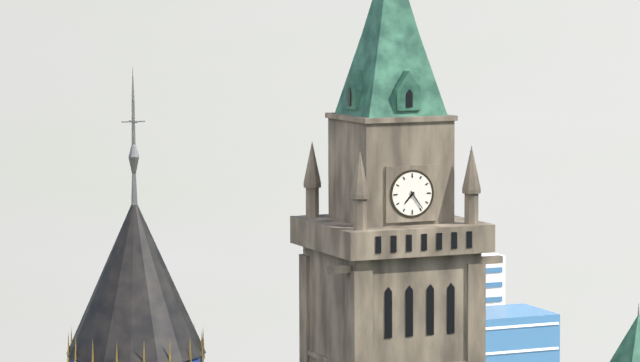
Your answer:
7 h 24 min
